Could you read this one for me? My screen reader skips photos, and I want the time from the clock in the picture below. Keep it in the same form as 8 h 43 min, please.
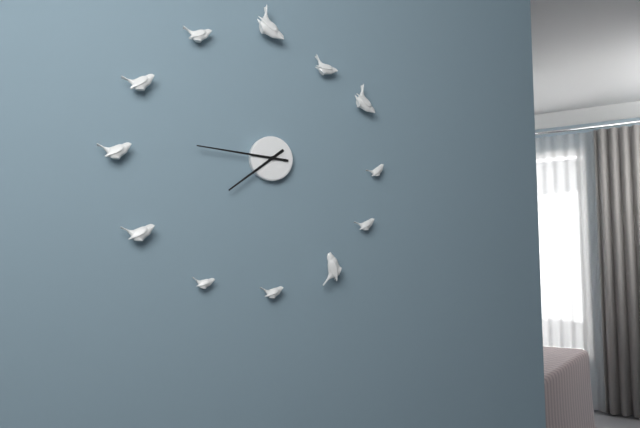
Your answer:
7 h 46 min
